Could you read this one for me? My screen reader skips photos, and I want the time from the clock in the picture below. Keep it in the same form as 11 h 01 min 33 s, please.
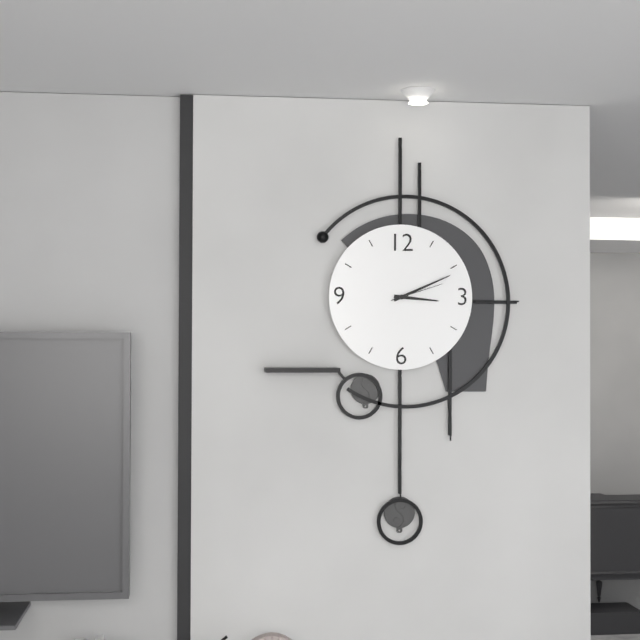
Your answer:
3 h 11 min 12 s
